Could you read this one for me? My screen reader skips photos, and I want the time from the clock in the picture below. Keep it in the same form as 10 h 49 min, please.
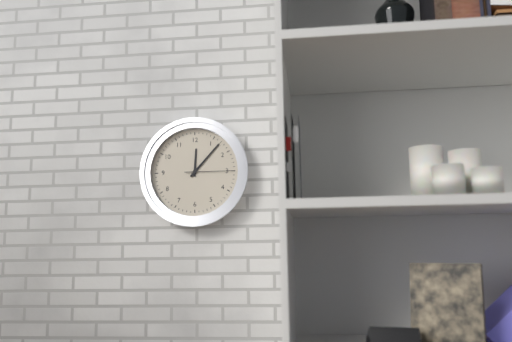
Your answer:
12 h 07 min
